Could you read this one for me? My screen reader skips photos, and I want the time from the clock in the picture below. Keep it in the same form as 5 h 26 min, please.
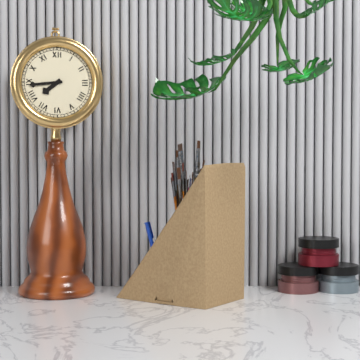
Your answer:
7 h 44 min
